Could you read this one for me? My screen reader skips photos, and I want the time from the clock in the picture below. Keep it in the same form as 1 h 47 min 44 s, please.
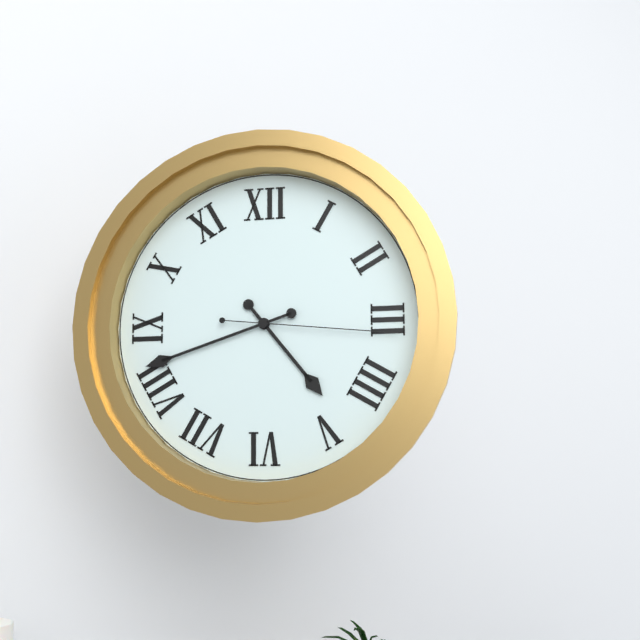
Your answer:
4 h 42 min 16 s
